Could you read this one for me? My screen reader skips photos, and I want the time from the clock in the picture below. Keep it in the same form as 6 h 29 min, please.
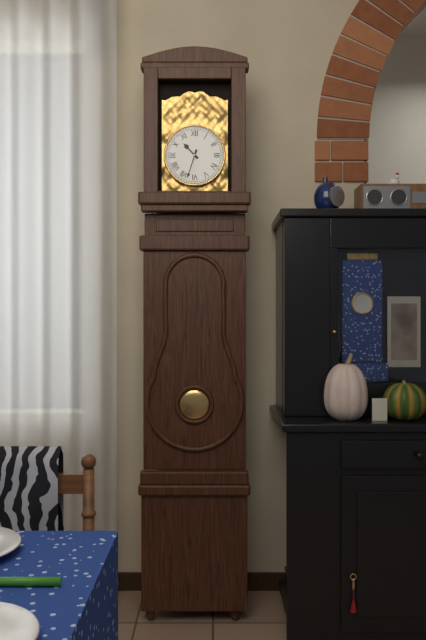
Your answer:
10 h 33 min
